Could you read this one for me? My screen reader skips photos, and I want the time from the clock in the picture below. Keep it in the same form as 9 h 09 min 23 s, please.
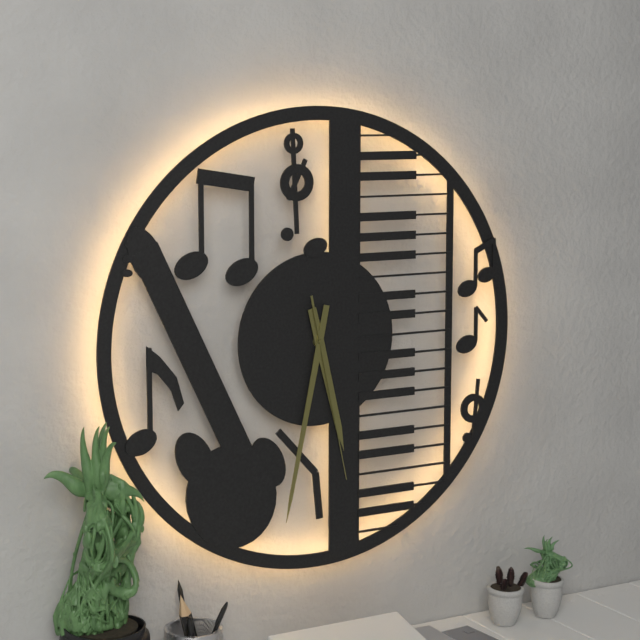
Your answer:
5 h 32 min 28 s
